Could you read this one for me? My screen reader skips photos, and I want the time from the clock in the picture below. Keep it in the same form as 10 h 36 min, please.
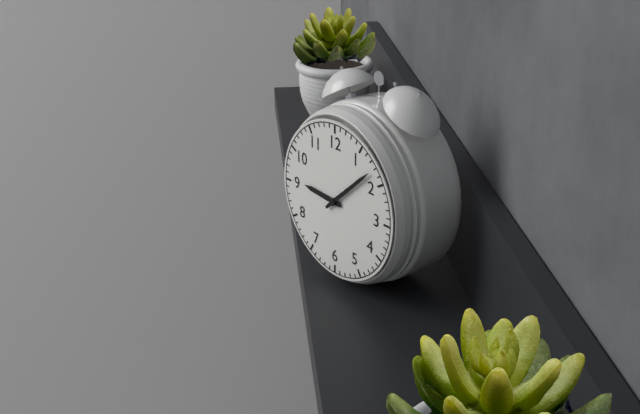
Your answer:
9 h 08 min
